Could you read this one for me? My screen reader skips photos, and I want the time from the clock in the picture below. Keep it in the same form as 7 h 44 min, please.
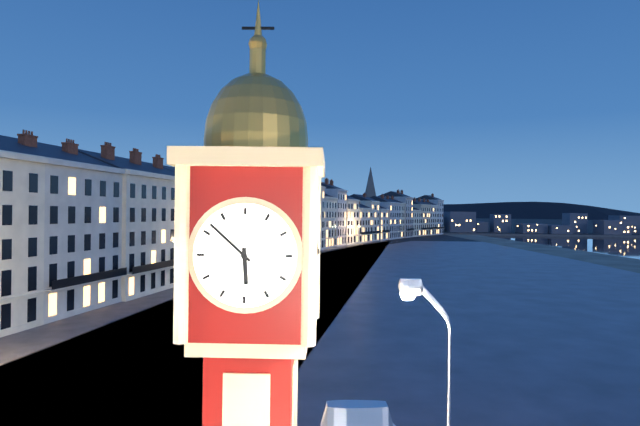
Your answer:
5 h 52 min
